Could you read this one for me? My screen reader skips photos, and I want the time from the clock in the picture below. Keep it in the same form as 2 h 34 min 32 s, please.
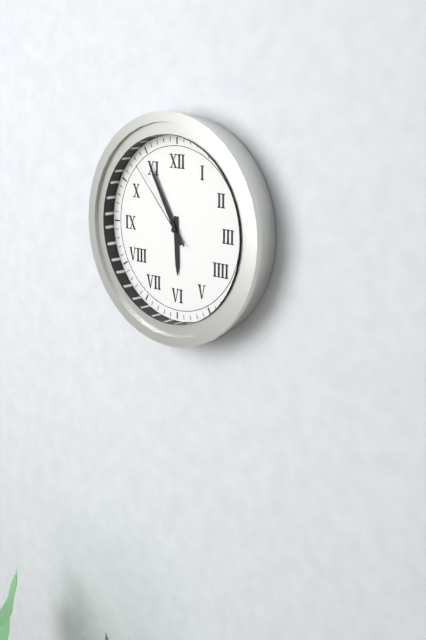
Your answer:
5 h 55 min 53 s
